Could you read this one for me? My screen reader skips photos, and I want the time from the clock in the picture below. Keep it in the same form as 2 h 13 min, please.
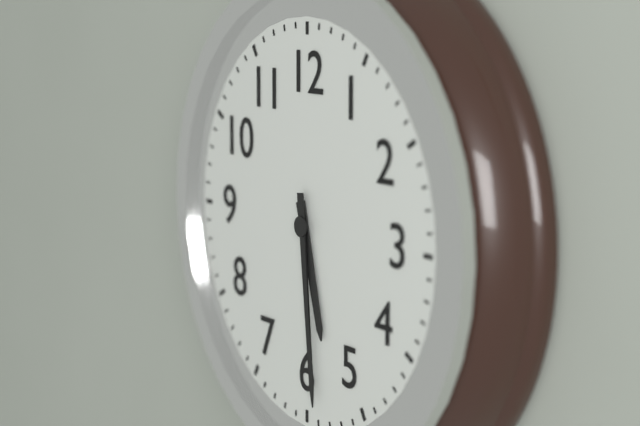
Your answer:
5 h 29 min
